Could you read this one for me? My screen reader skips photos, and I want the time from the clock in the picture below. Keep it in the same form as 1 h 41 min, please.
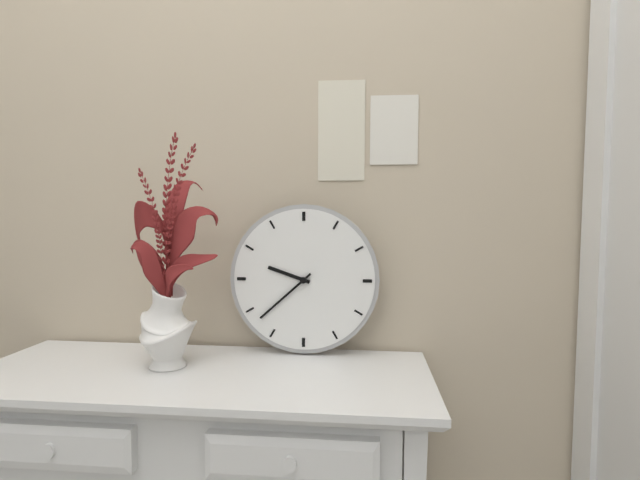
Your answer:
9 h 38 min
